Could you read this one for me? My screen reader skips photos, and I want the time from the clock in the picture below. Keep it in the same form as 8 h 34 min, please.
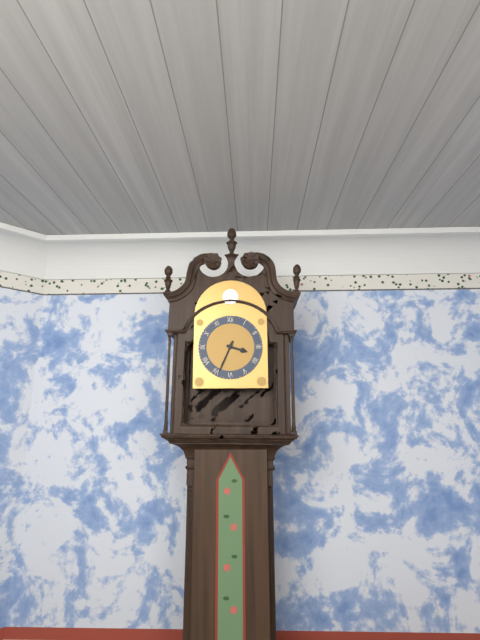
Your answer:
3 h 34 min
